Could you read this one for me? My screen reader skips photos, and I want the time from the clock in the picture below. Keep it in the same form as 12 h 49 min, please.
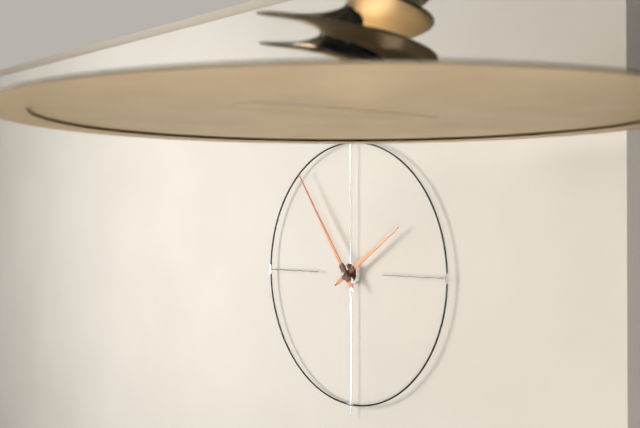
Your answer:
1 h 54 min
